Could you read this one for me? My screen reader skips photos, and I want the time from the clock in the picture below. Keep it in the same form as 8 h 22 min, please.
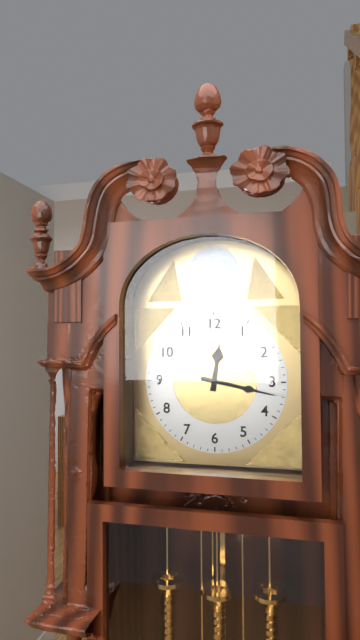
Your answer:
12 h 17 min
